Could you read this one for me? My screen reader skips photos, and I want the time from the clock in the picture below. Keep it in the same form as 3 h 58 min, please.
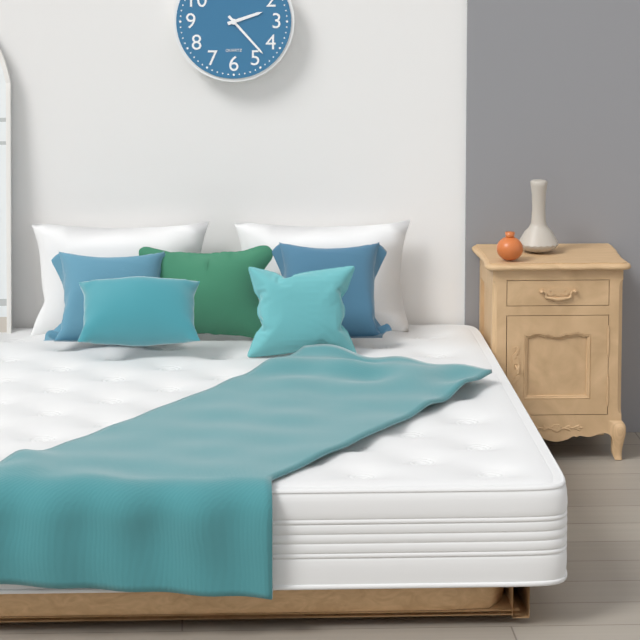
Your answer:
2 h 23 min
